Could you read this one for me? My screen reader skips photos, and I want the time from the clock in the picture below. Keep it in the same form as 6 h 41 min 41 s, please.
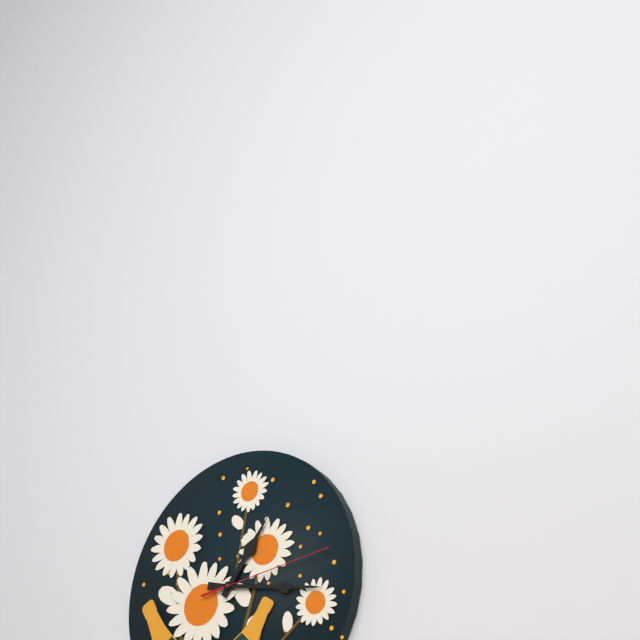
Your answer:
1 h 17 min 14 s
